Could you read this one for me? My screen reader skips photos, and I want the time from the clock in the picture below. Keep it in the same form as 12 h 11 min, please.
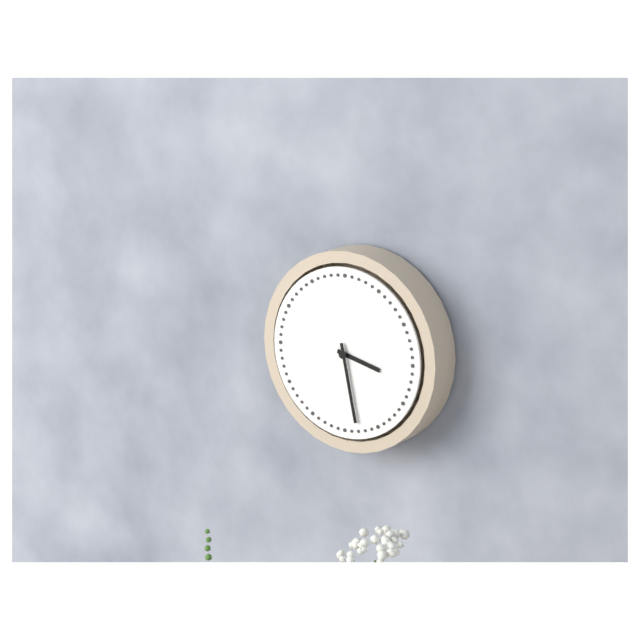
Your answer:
3 h 28 min
